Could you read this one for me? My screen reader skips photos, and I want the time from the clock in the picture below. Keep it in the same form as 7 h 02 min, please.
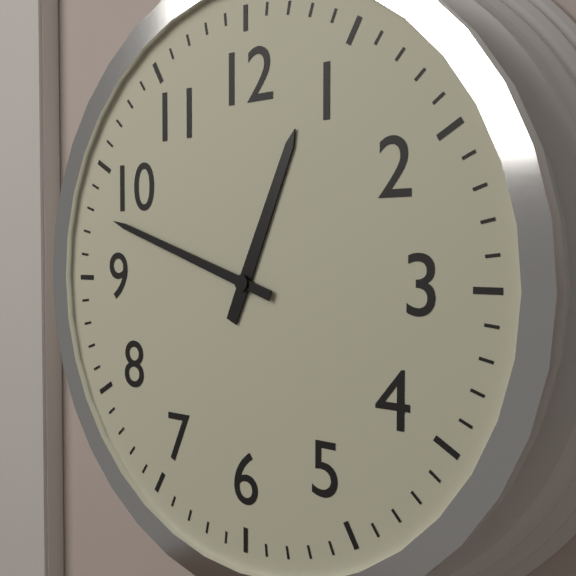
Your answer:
12 h 48 min
